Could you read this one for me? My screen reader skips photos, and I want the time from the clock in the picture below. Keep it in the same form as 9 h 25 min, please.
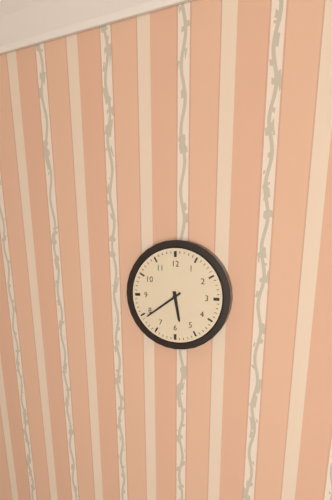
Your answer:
5 h 39 min
